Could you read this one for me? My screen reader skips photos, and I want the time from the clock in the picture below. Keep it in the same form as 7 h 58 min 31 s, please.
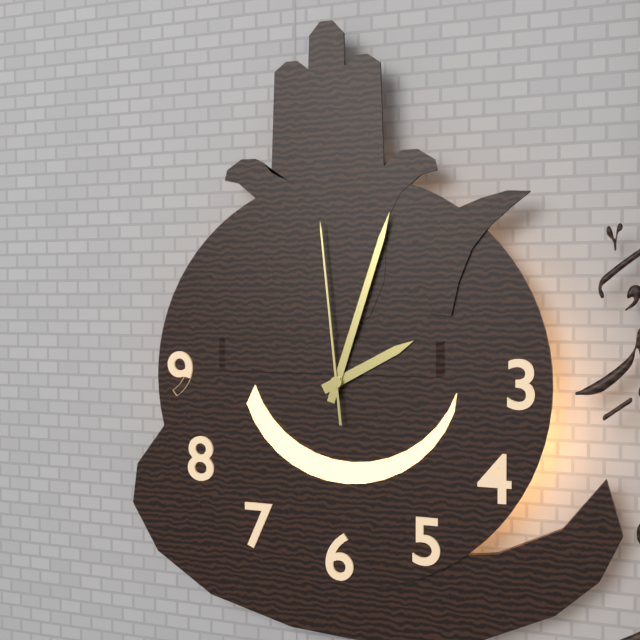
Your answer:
2 h 03 min 59 s
